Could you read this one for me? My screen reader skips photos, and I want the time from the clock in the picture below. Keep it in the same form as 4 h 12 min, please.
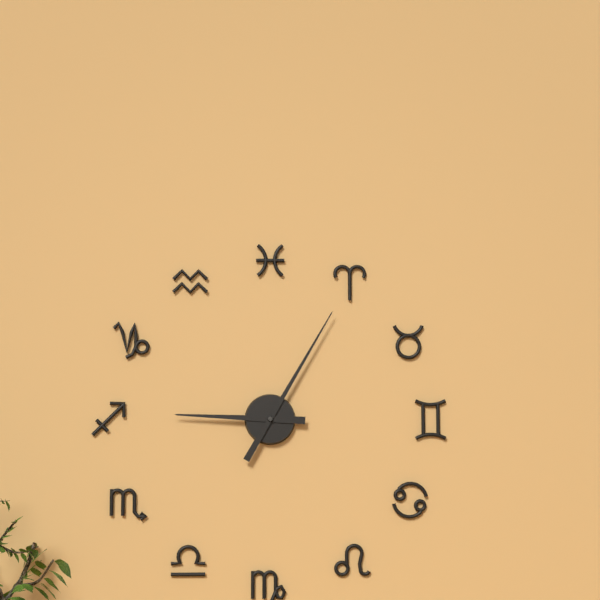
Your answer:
9 h 05 min
